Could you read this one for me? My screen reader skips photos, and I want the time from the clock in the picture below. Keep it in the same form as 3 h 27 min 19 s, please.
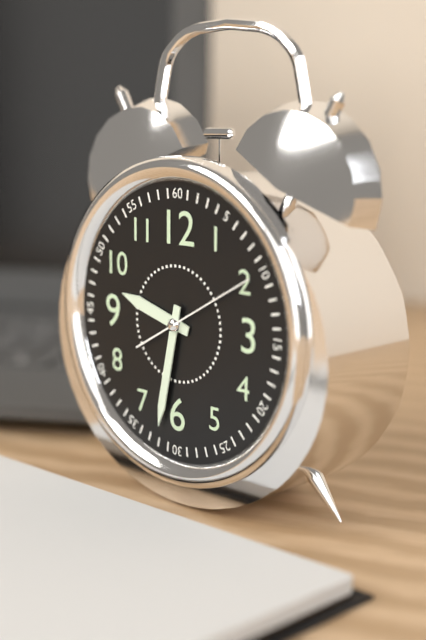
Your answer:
9 h 32 min 10 s
